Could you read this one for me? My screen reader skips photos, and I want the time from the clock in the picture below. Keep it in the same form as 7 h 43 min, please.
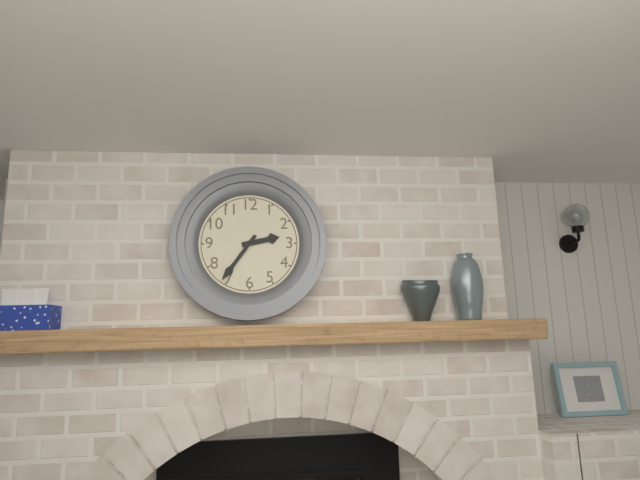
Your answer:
2 h 36 min
